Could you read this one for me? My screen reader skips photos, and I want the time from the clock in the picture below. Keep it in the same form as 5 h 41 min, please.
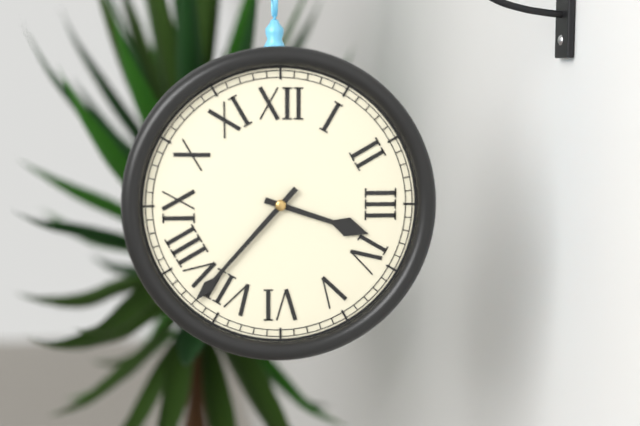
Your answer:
3 h 37 min
